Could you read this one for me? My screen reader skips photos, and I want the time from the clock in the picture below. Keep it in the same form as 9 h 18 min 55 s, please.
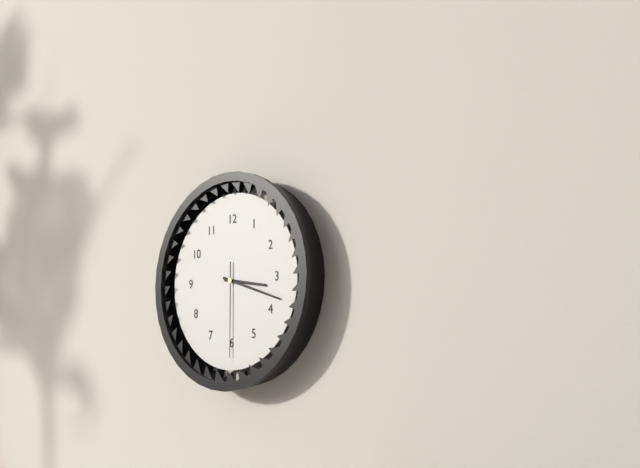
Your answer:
3 h 18 min 30 s
